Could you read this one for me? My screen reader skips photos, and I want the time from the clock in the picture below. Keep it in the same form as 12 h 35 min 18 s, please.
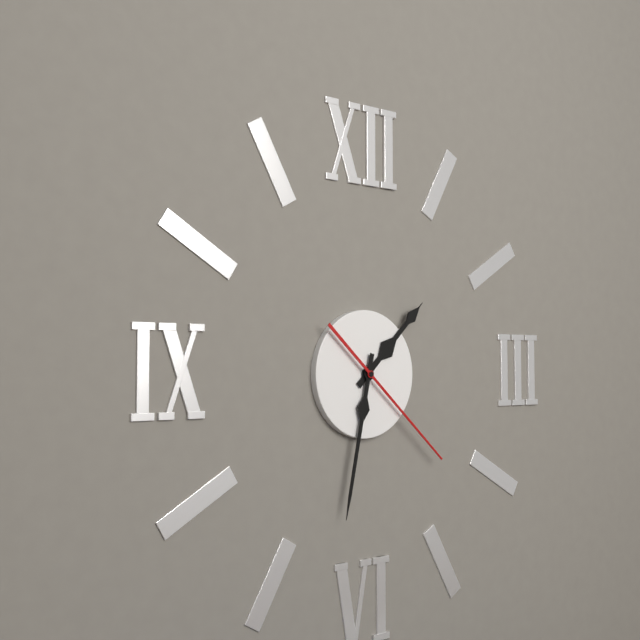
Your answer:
1 h 32 min 22 s
